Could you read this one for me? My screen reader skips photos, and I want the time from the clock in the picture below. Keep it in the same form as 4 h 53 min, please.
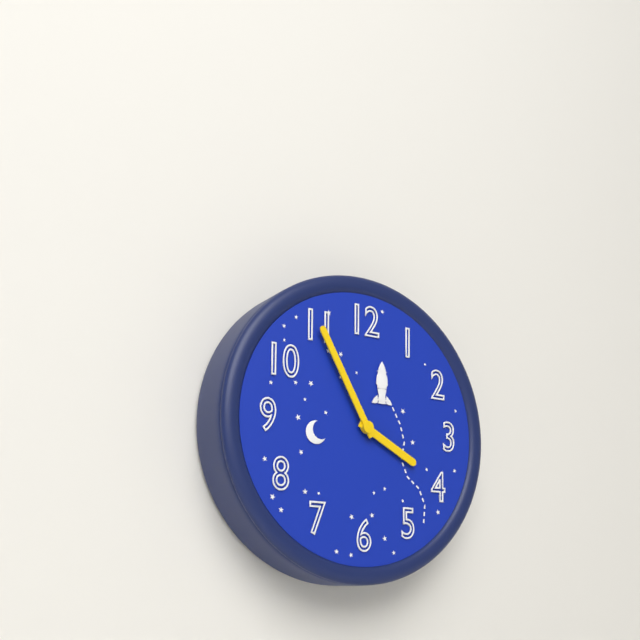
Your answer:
3 h 55 min
